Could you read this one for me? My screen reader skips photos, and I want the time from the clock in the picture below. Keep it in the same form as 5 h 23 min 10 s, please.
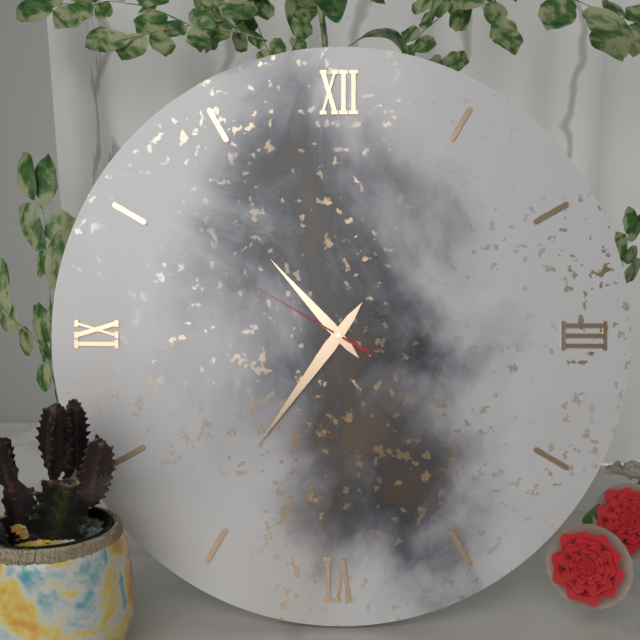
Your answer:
10 h 36 min 50 s
